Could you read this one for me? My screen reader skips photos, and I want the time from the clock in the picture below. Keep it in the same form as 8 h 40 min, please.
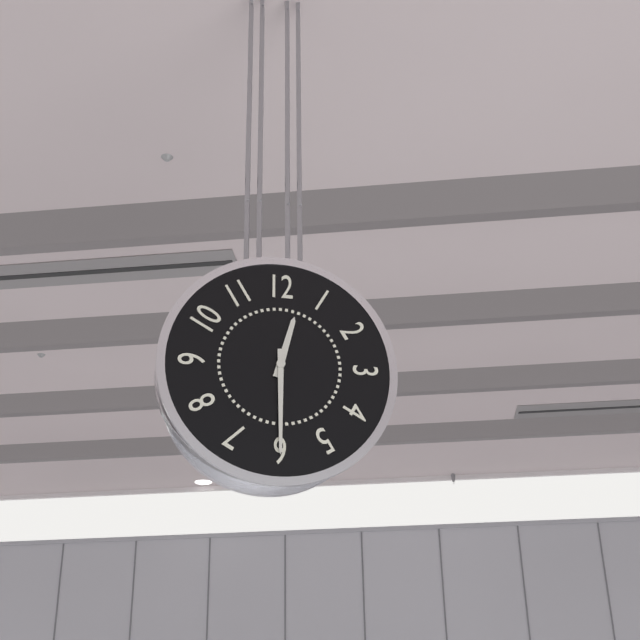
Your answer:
12 h 30 min
